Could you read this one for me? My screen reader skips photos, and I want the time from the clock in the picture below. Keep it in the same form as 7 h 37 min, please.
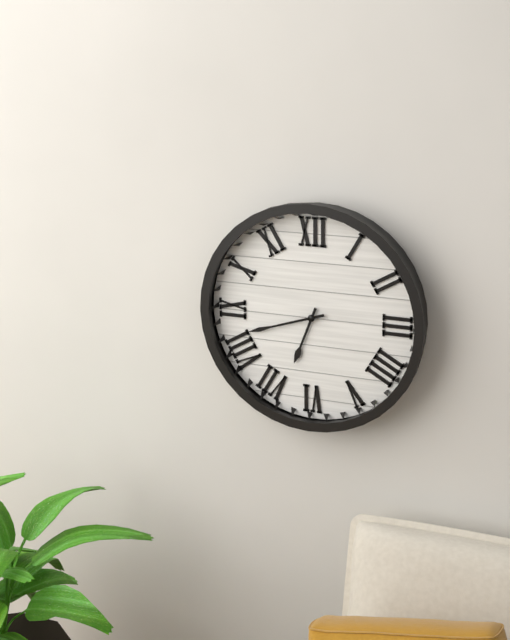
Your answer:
6 h 42 min
